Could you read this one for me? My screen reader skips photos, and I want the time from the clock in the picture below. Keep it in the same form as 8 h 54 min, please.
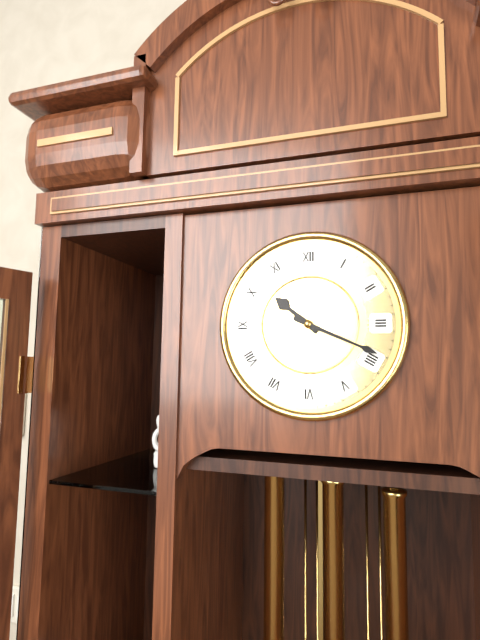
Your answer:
10 h 19 min
